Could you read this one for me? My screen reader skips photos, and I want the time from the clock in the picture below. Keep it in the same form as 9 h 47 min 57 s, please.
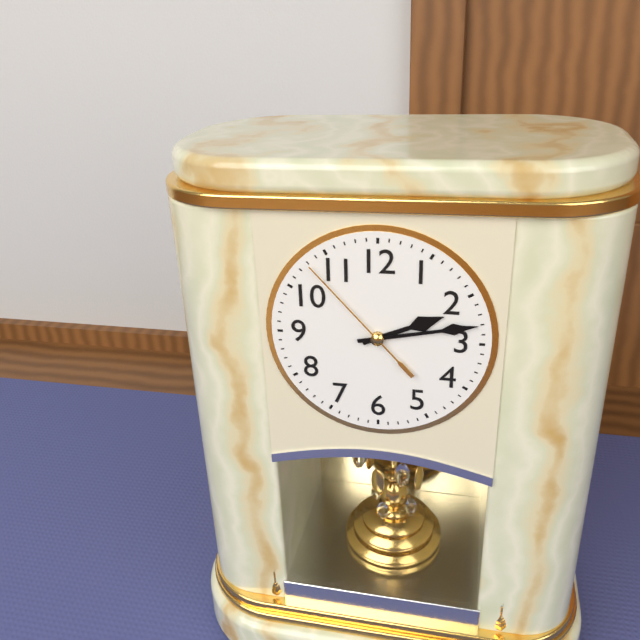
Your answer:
2 h 13 min 53 s
